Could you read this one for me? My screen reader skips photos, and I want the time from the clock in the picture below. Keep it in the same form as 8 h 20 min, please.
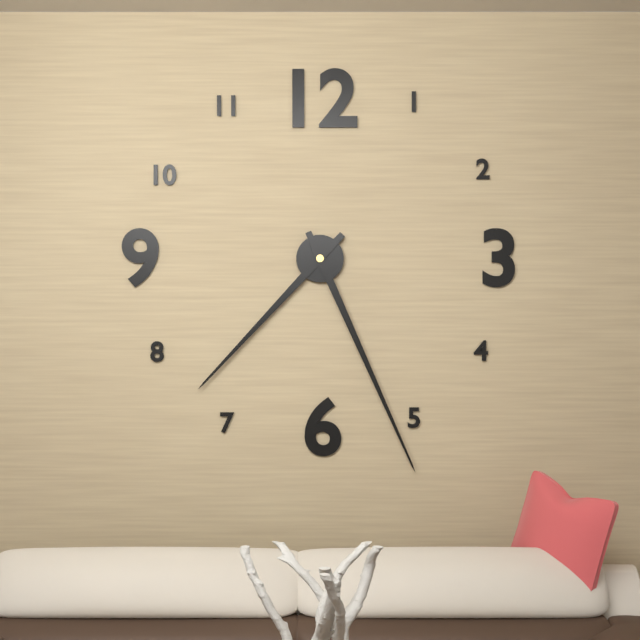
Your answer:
7 h 26 min
